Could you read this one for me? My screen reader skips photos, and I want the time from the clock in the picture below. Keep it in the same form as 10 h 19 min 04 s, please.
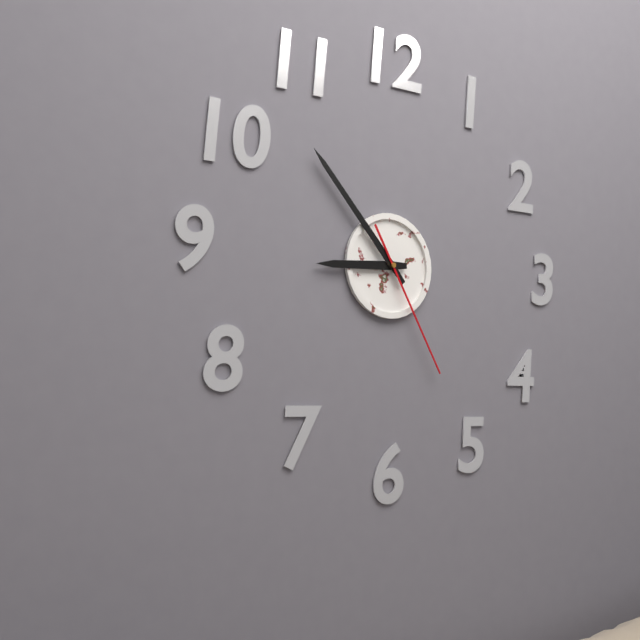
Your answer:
8 h 53 min 25 s
